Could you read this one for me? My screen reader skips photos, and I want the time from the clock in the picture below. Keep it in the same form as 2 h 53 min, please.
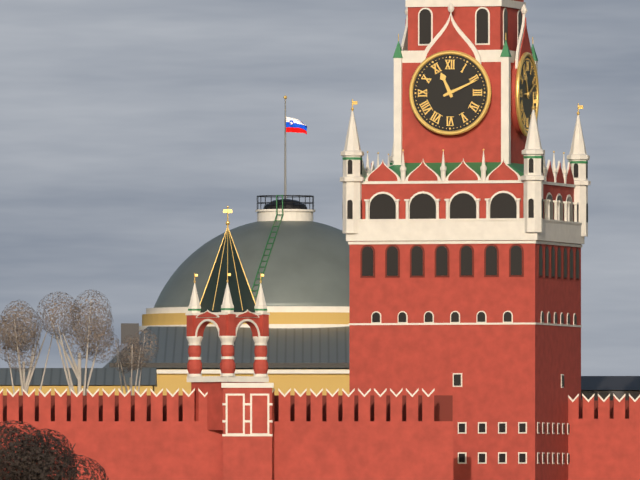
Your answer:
11 h 11 min
